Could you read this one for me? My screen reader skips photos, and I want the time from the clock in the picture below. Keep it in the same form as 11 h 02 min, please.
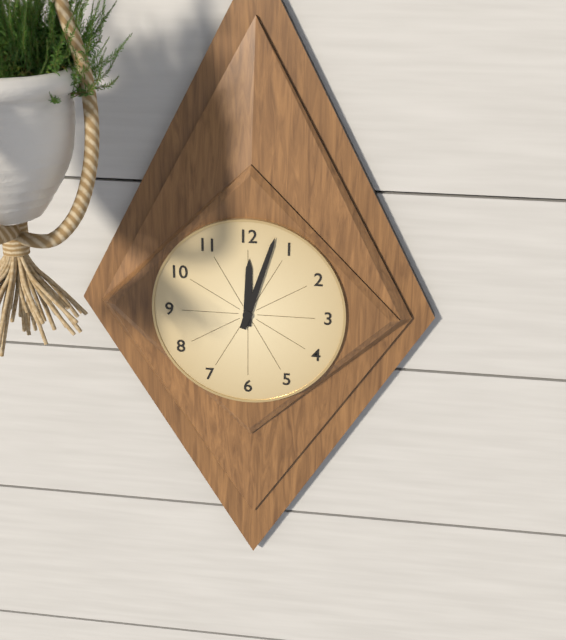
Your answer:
12 h 03 min
